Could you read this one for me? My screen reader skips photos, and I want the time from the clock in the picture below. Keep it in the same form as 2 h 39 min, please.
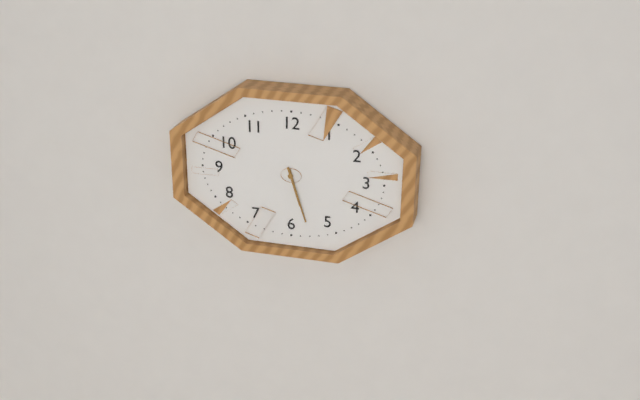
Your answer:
5 h 27 min
